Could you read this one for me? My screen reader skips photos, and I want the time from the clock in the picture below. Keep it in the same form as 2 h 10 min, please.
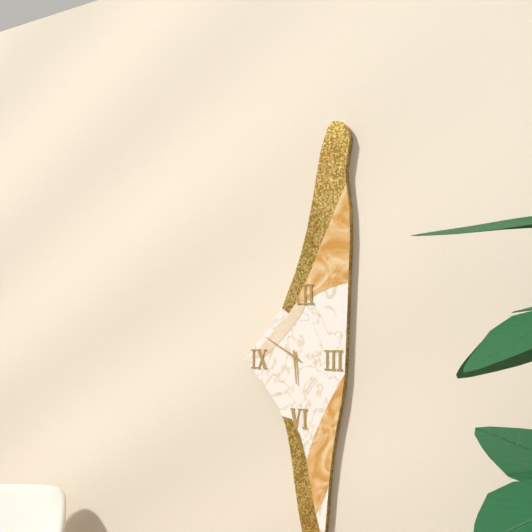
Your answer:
5 h 50 min
